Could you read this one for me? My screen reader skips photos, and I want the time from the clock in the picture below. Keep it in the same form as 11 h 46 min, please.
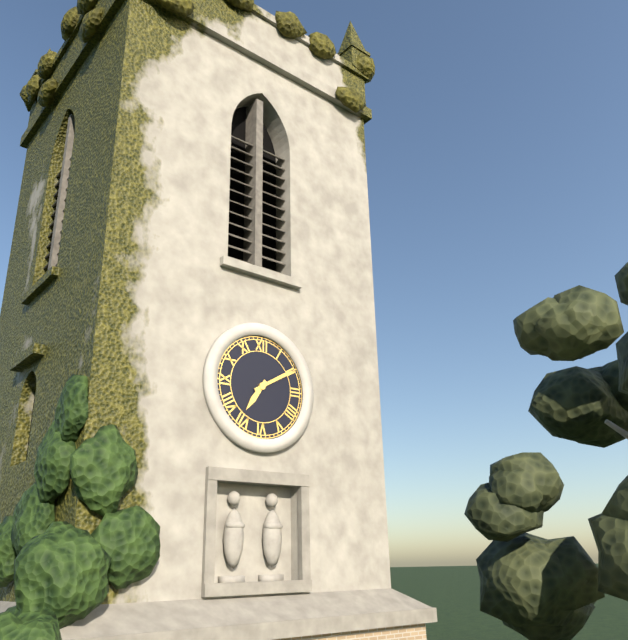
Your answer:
7 h 10 min
